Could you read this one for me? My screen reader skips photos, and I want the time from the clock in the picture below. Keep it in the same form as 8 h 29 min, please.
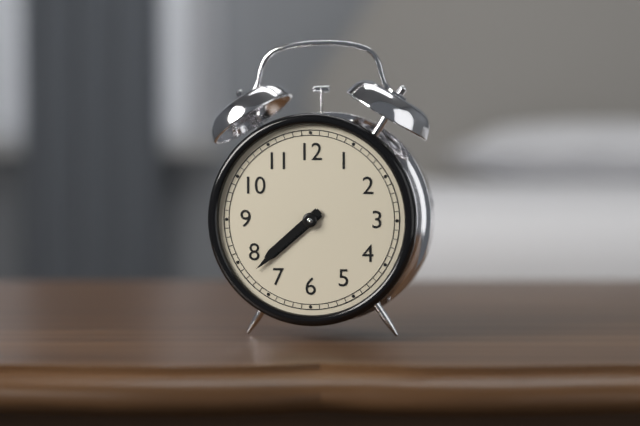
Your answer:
7 h 38 min
